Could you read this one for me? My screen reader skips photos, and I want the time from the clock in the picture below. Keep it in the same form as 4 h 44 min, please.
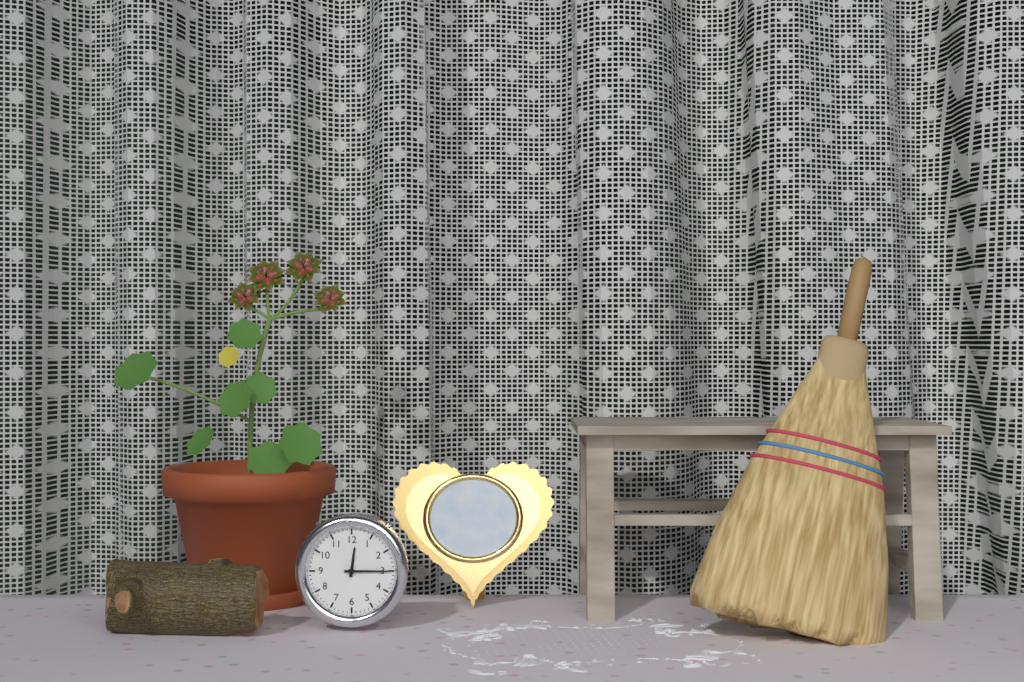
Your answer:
12 h 15 min
